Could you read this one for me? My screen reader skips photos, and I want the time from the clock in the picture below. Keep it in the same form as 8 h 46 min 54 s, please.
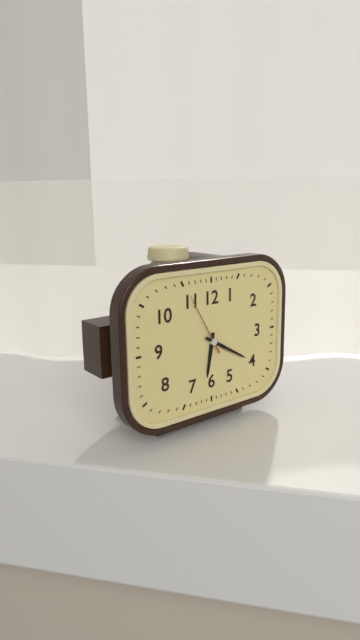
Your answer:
6 h 20 min 55 s
